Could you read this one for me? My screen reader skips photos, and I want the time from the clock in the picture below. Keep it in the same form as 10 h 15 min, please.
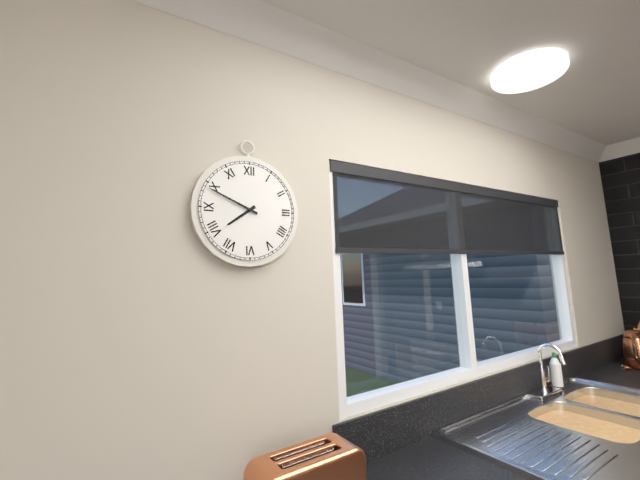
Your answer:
7 h 49 min
